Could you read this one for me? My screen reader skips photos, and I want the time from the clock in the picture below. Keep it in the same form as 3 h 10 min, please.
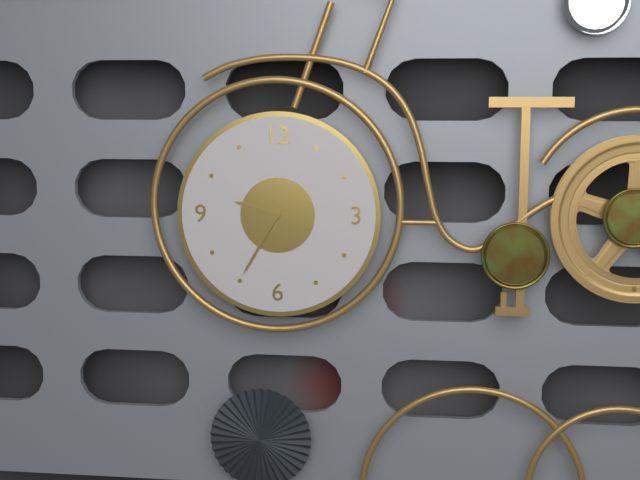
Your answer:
9 h 35 min
